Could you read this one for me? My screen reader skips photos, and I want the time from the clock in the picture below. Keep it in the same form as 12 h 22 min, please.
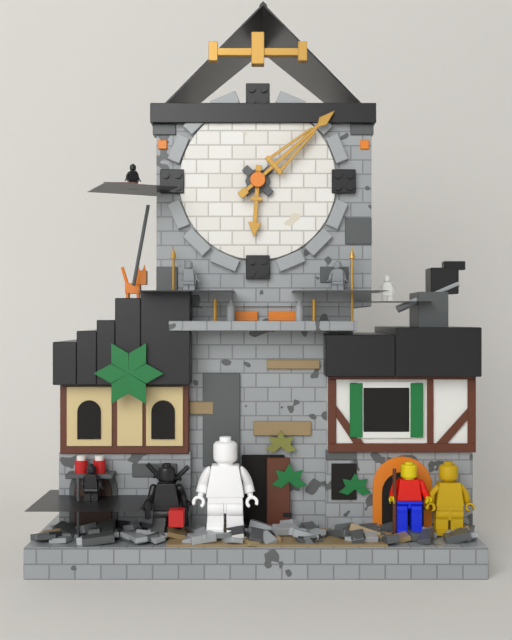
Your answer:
6 h 08 min
